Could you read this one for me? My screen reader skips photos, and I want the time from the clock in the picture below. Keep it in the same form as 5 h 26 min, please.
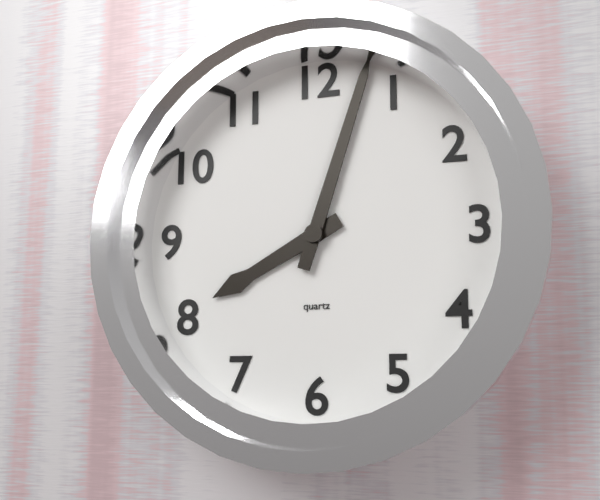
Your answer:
8 h 03 min
